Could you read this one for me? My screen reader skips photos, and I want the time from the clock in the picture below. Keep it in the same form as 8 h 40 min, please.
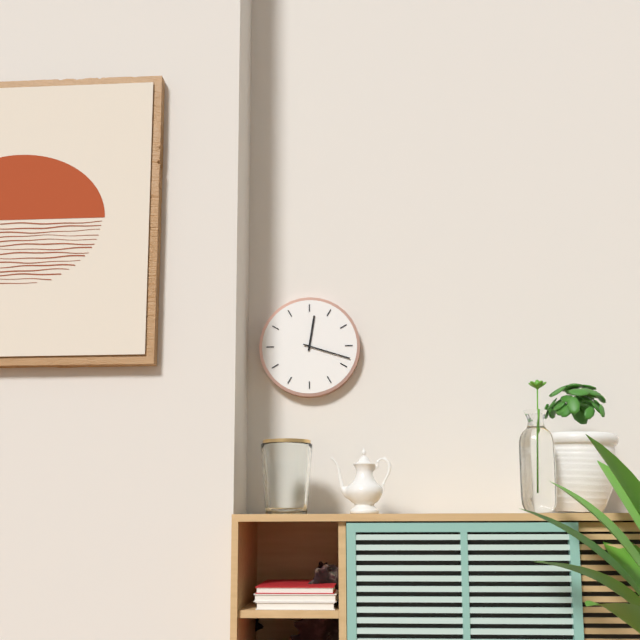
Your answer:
12 h 18 min
